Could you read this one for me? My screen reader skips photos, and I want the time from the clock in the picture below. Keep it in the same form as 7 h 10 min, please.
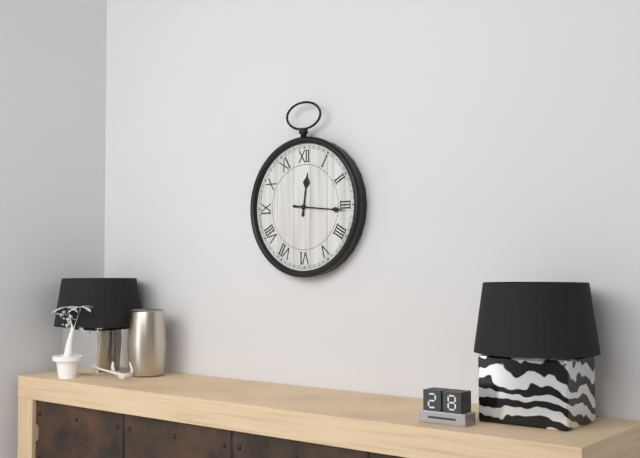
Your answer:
12 h 16 min
